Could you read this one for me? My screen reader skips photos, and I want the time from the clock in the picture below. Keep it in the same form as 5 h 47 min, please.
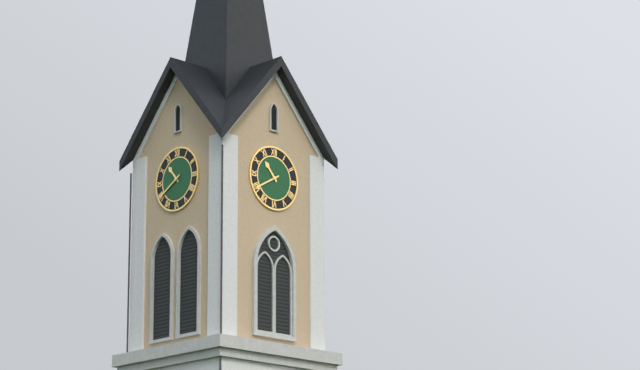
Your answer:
10 h 40 min
